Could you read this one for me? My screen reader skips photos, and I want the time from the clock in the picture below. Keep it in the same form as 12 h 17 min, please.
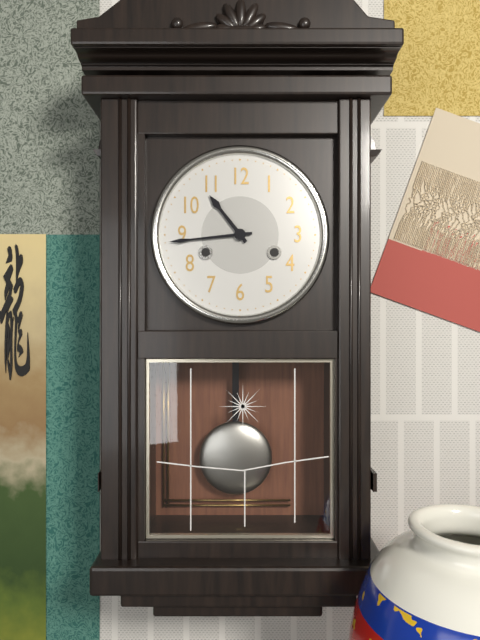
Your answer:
10 h 44 min
